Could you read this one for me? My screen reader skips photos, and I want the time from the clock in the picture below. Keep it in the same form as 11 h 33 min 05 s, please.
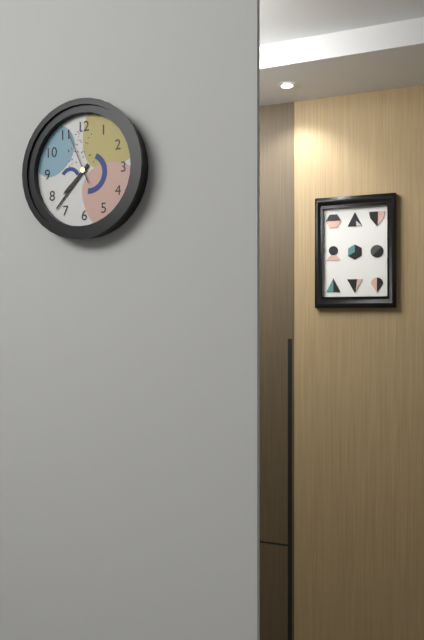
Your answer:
7 h 37 min 56 s
